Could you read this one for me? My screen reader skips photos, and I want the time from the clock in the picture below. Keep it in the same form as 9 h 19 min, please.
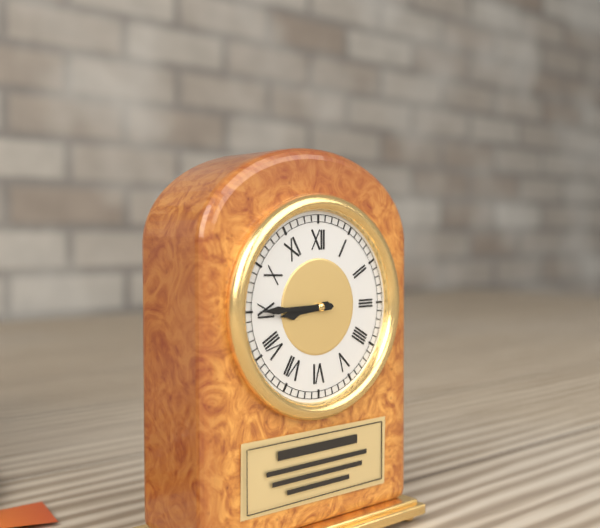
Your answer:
8 h 45 min
